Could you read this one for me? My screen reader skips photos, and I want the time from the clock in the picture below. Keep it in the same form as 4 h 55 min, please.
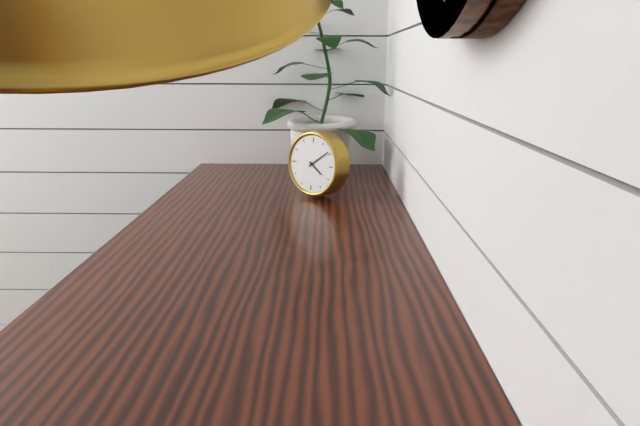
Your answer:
4 h 09 min
